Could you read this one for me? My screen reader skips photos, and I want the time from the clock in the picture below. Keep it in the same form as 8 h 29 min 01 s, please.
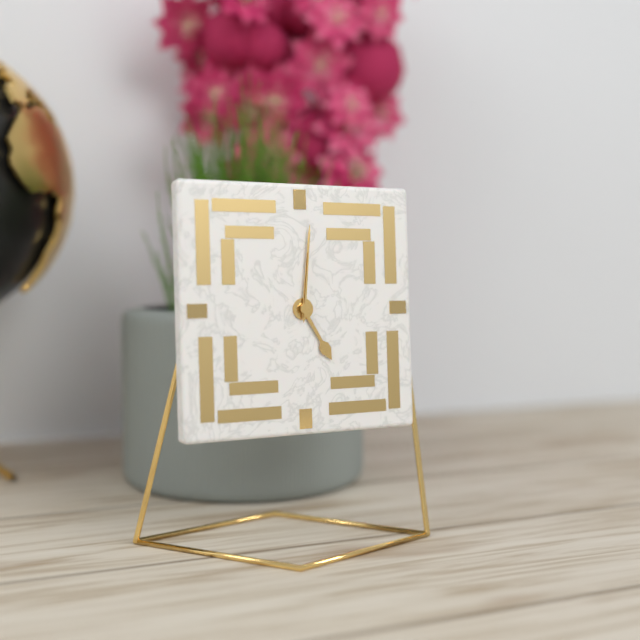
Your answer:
5 h 01 min 01 s
